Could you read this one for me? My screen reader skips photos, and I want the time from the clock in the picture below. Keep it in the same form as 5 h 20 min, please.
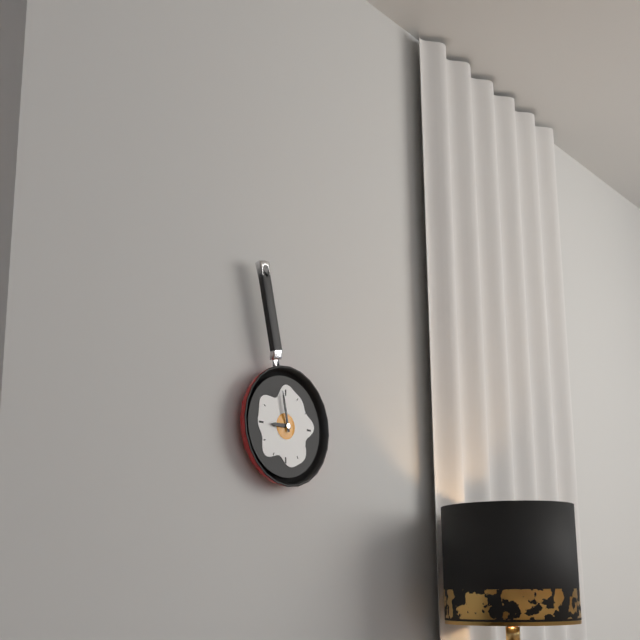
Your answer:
8 h 58 min
